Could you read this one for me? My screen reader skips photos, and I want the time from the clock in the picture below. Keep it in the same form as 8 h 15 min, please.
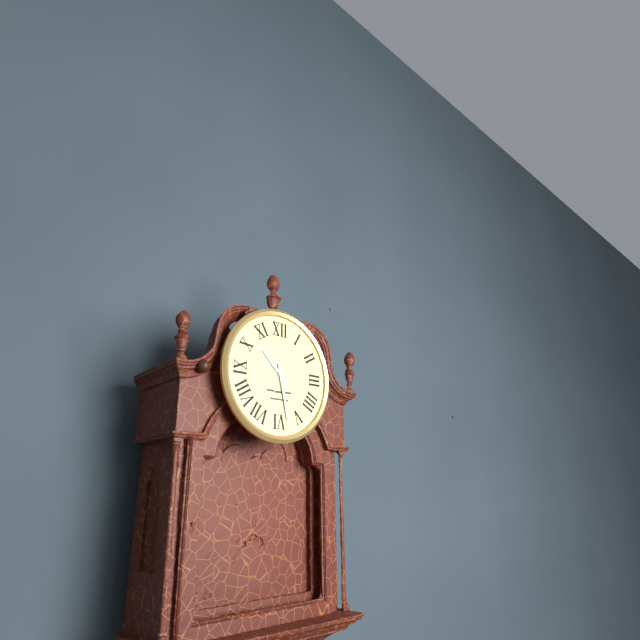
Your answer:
10 h 28 min
